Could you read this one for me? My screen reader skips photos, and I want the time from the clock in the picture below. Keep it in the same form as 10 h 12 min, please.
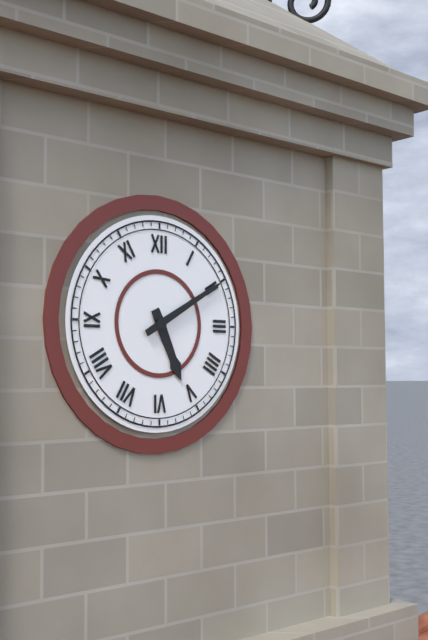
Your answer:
5 h 10 min
